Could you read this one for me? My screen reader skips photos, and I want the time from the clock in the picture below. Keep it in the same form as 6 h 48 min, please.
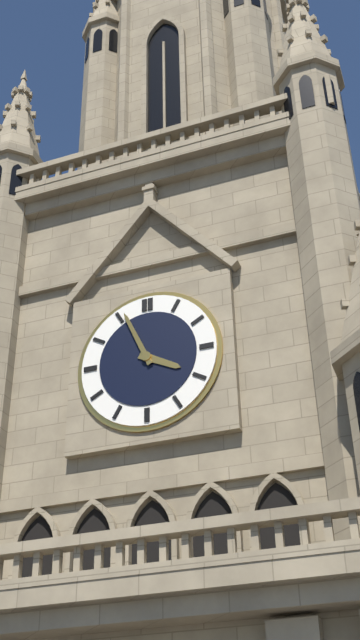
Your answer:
3 h 56 min
